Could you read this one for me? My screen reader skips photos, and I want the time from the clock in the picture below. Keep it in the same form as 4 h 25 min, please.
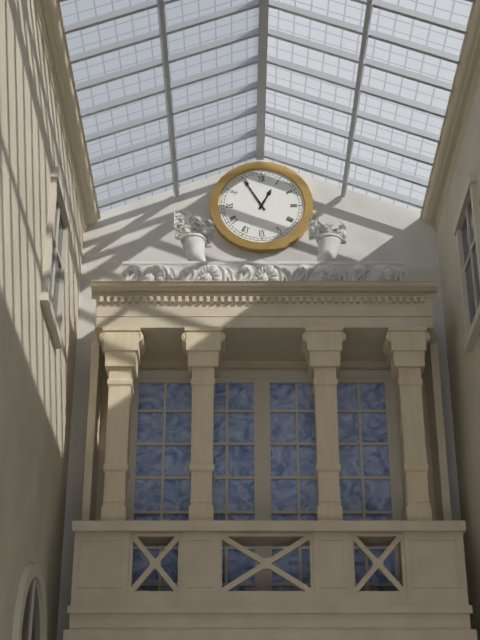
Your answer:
12 h 55 min
